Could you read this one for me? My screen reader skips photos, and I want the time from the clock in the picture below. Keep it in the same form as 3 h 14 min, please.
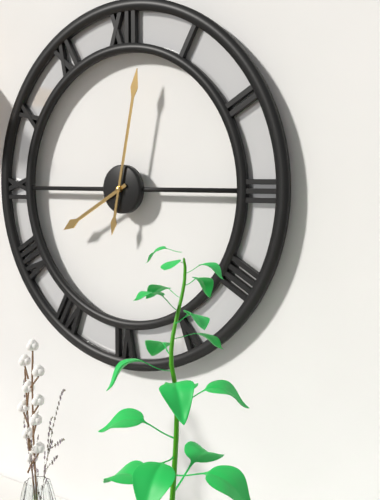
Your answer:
8 h 02 min
